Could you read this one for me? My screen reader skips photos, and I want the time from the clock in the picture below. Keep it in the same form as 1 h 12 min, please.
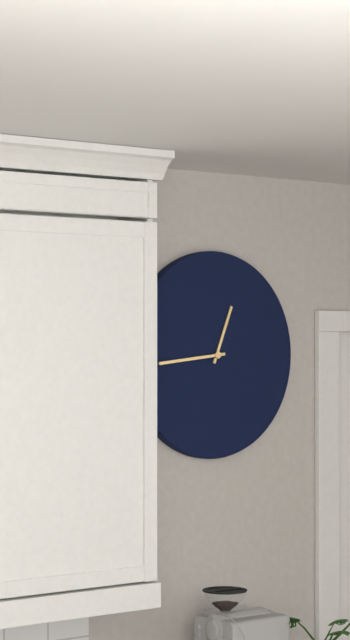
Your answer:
12 h 44 min
